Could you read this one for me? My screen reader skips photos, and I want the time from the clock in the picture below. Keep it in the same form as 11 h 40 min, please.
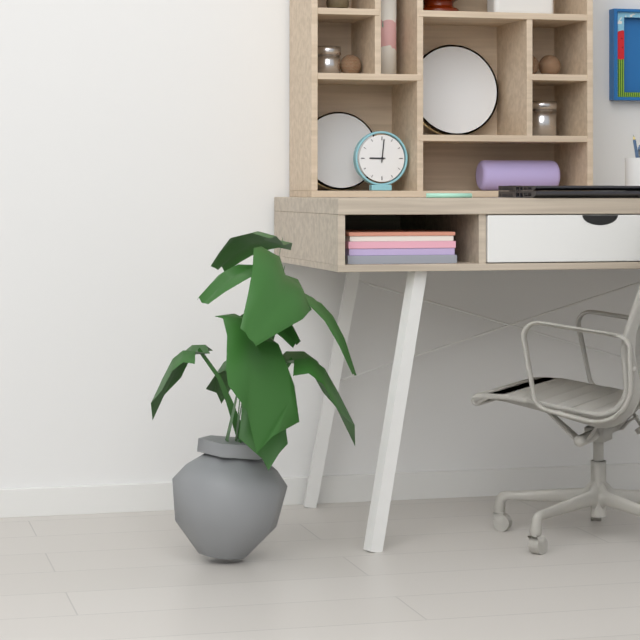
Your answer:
9 h 01 min
